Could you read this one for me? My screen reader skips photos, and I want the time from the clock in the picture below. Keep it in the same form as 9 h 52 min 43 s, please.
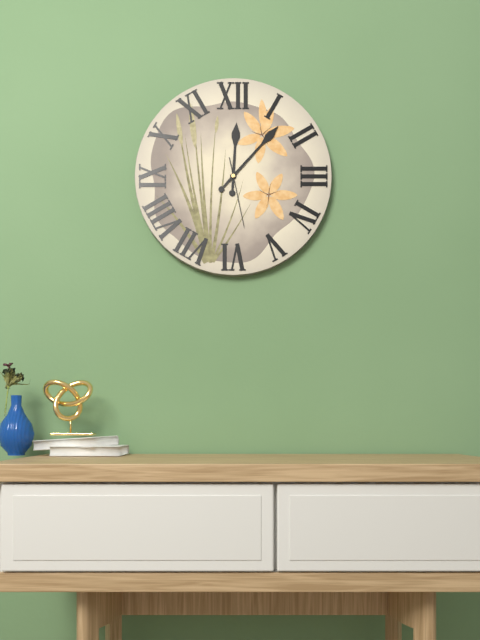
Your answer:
12 h 07 min 28 s
